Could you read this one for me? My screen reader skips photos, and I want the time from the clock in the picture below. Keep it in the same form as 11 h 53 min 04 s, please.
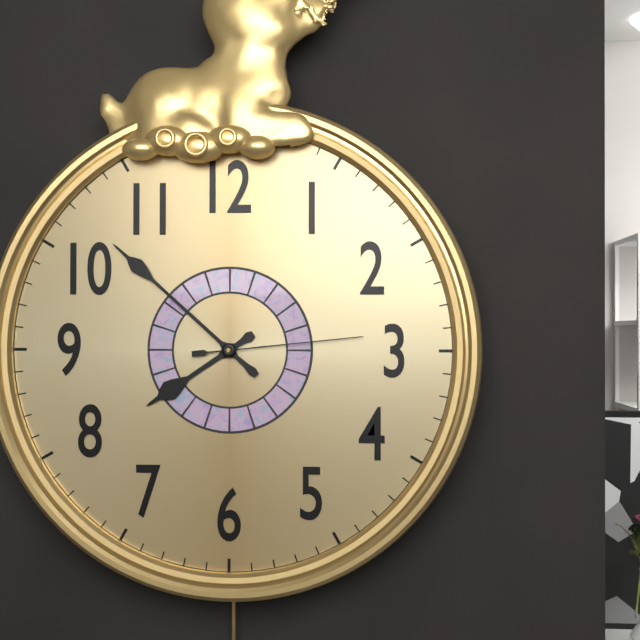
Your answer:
7 h 52 min 14 s
